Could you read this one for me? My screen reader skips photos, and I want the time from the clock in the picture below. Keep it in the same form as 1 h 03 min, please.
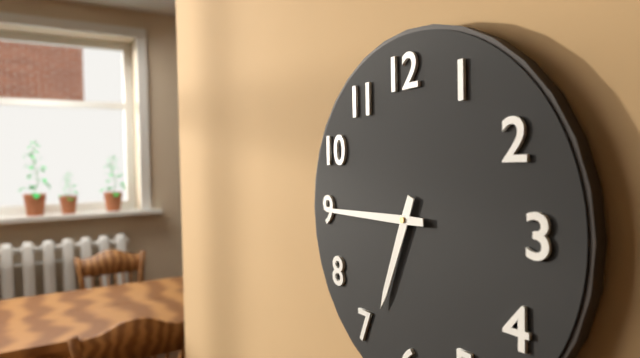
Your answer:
6 h 45 min
